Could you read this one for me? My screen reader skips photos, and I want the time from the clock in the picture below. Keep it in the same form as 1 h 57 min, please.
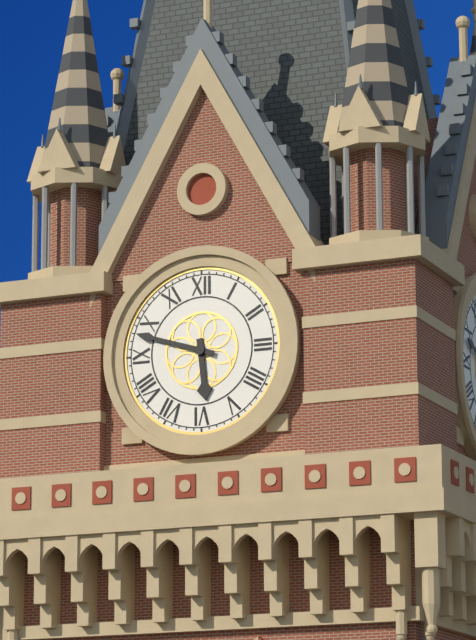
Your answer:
5 h 48 min
